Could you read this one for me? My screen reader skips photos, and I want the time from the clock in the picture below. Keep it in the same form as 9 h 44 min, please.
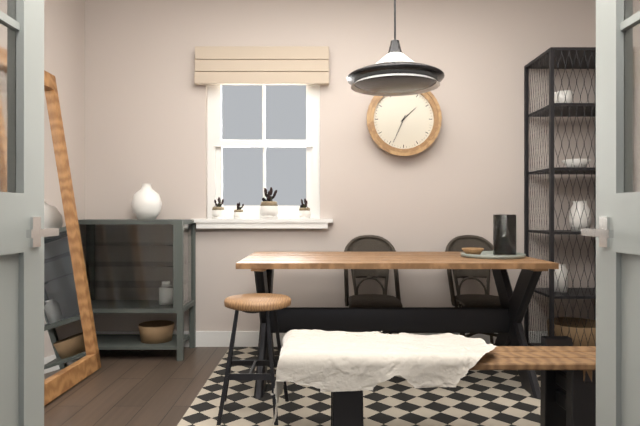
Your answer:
1 h 34 min
